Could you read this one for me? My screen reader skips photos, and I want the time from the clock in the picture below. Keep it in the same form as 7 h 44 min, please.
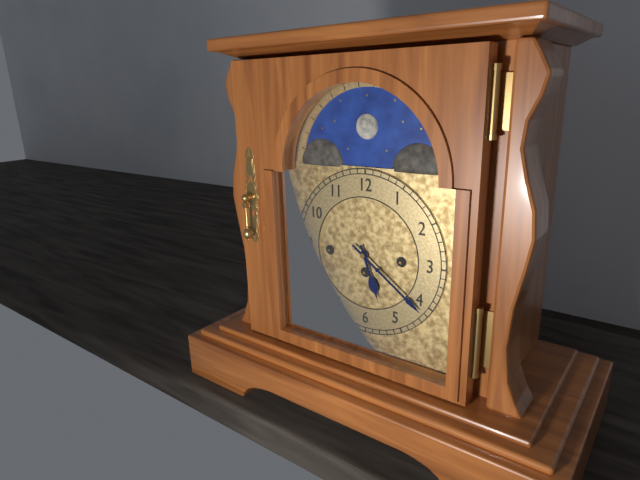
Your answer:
5 h 21 min
